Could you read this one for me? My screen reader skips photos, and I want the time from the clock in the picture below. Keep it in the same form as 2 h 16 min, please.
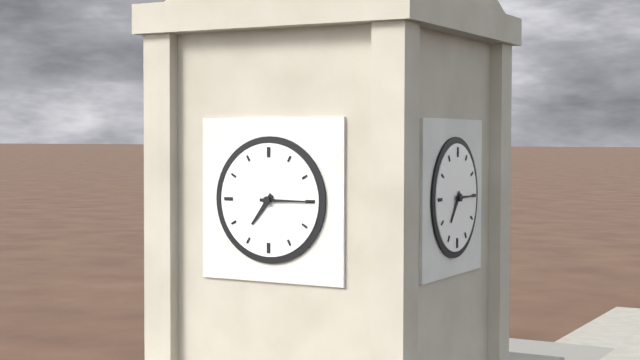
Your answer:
7 h 15 min
